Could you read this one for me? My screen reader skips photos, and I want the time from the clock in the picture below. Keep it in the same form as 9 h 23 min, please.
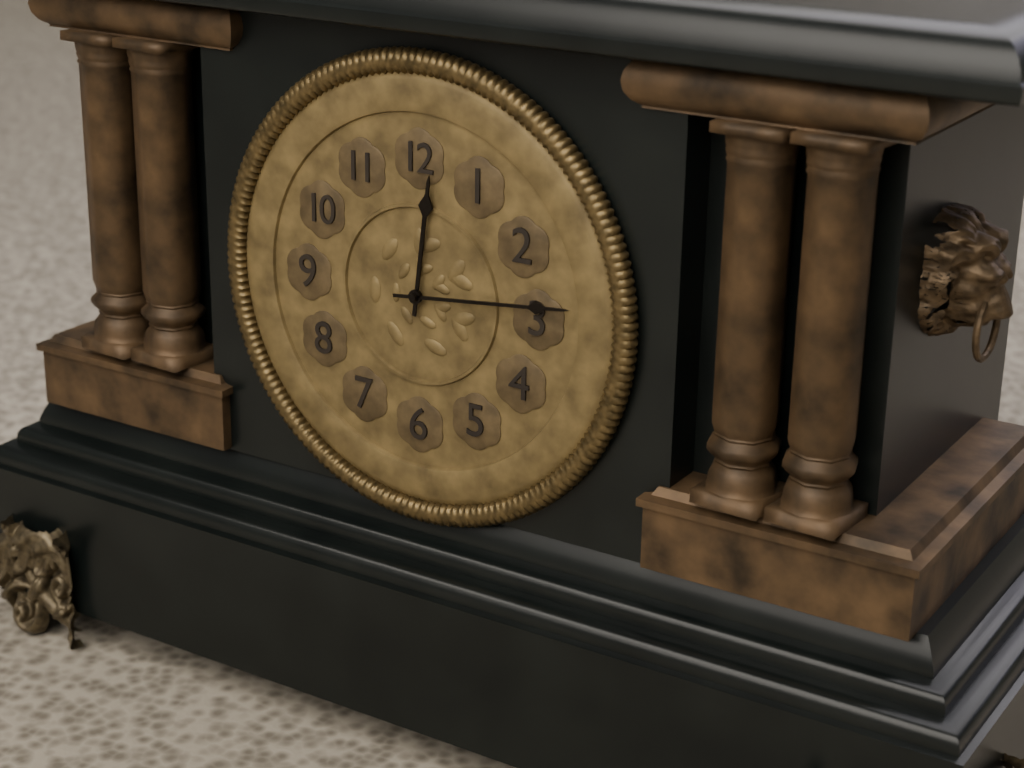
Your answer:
12 h 14 min
